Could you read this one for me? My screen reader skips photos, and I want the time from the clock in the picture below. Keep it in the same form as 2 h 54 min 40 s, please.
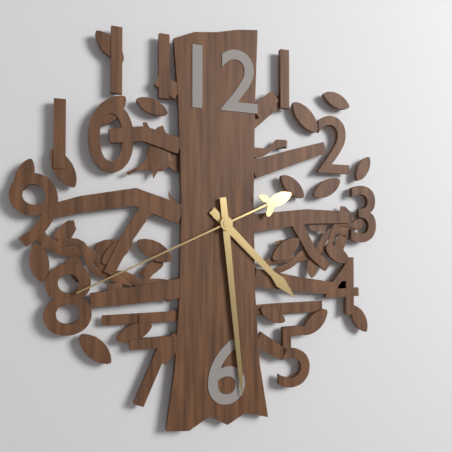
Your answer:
4 h 29 min 41 s
